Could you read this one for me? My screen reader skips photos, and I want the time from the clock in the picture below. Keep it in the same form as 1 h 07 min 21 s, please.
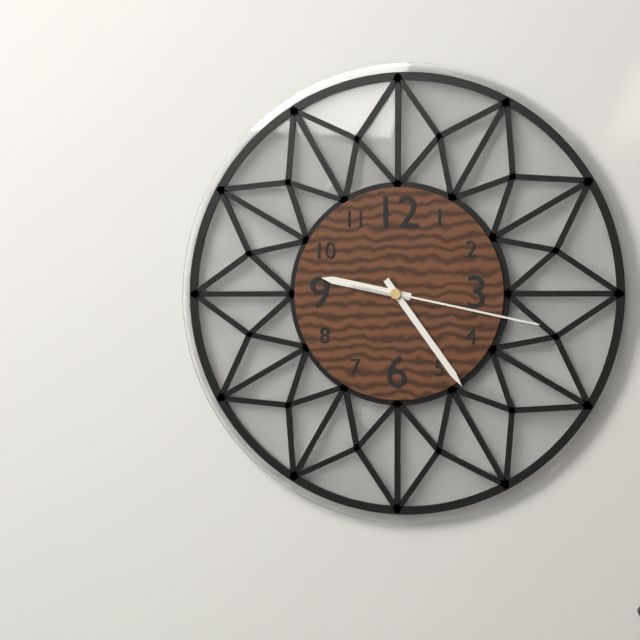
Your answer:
9 h 24 min 17 s
